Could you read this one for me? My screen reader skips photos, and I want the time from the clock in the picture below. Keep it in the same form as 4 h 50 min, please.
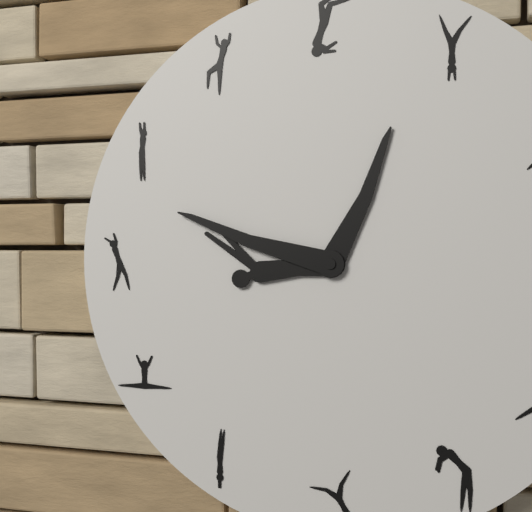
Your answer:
12 h 48 min
